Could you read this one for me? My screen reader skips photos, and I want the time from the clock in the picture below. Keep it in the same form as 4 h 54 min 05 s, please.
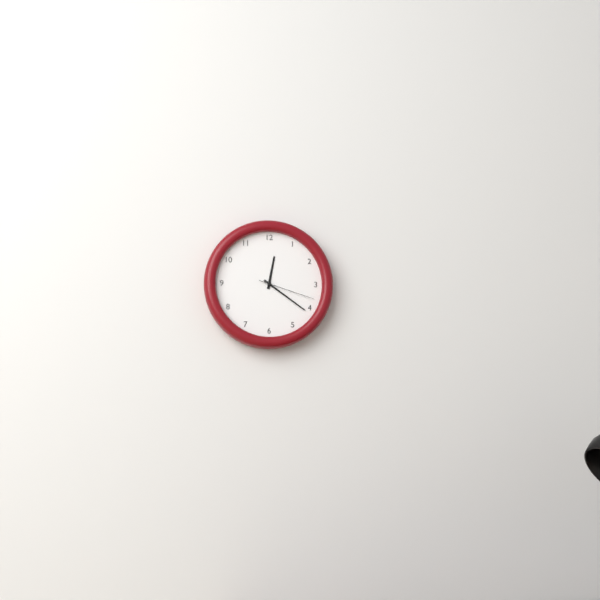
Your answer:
12 h 21 min 18 s
